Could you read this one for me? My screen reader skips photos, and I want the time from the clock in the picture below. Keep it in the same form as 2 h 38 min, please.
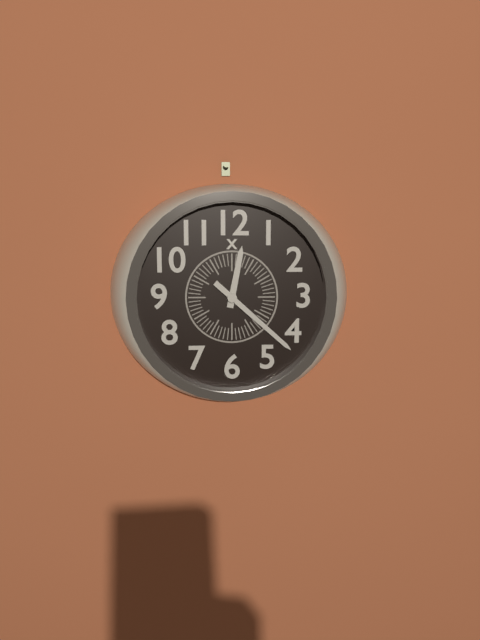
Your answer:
12 h 22 min
